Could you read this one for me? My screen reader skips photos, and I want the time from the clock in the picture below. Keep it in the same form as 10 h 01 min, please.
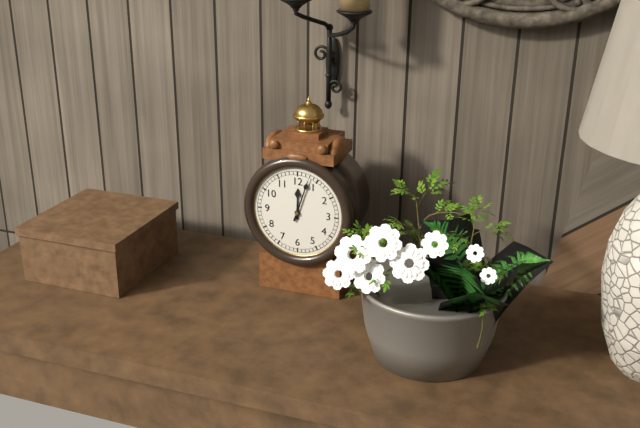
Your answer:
12 h 03 min
